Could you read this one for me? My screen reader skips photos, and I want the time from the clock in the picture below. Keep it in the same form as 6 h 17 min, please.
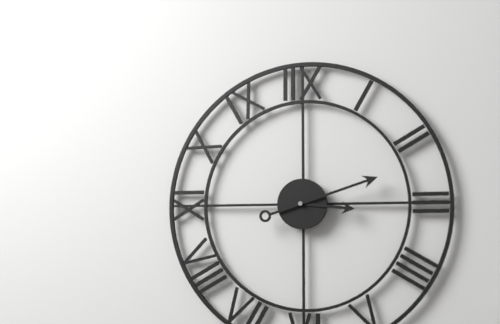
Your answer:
3 h 12 min
